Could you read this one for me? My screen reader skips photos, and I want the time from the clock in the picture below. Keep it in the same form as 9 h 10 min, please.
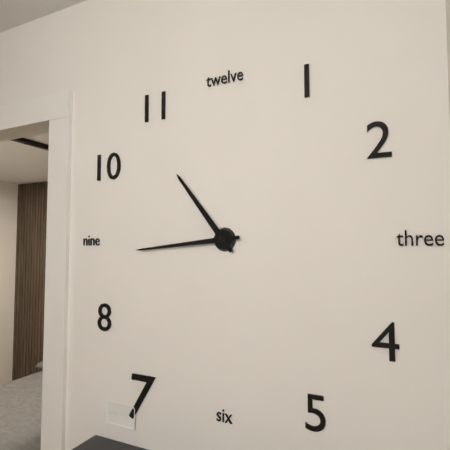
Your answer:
10 h 44 min
